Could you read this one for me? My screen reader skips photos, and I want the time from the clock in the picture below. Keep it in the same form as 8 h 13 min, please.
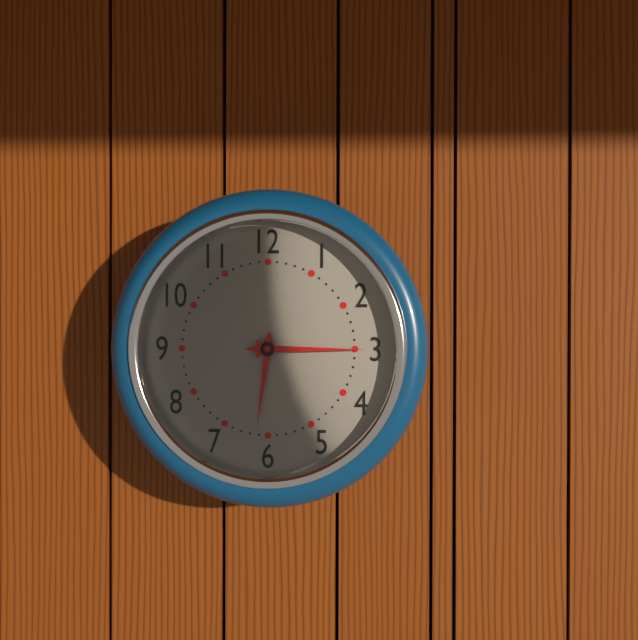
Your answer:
6 h 15 min
